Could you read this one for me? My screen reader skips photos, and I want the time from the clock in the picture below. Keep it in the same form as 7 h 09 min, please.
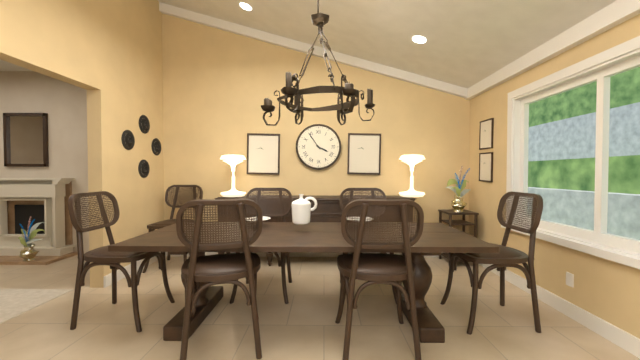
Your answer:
3 h 54 min
